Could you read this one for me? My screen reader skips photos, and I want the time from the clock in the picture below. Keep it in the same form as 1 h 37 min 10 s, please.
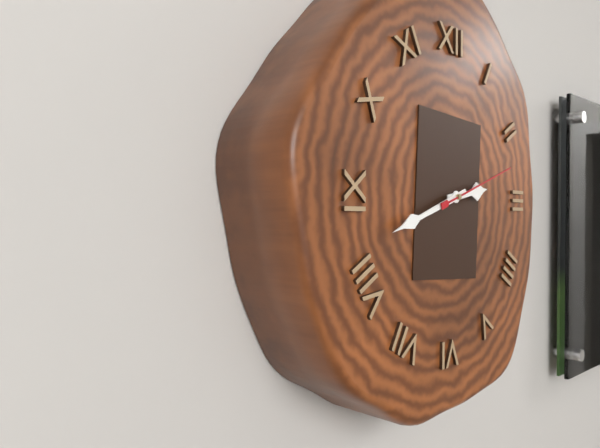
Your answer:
2 h 42 min 12 s
